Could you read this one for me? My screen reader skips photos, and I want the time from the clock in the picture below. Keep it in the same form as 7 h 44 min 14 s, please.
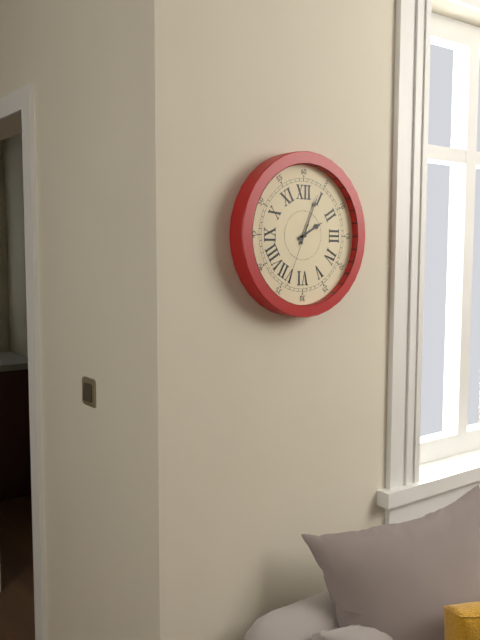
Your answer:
2 h 04 min 34 s
